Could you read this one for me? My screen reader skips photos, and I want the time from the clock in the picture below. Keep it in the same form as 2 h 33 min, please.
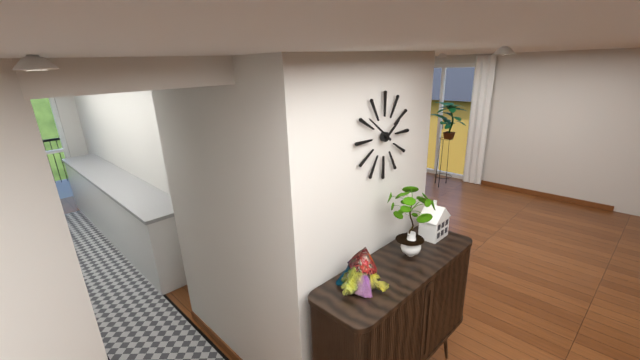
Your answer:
1 h 51 min
